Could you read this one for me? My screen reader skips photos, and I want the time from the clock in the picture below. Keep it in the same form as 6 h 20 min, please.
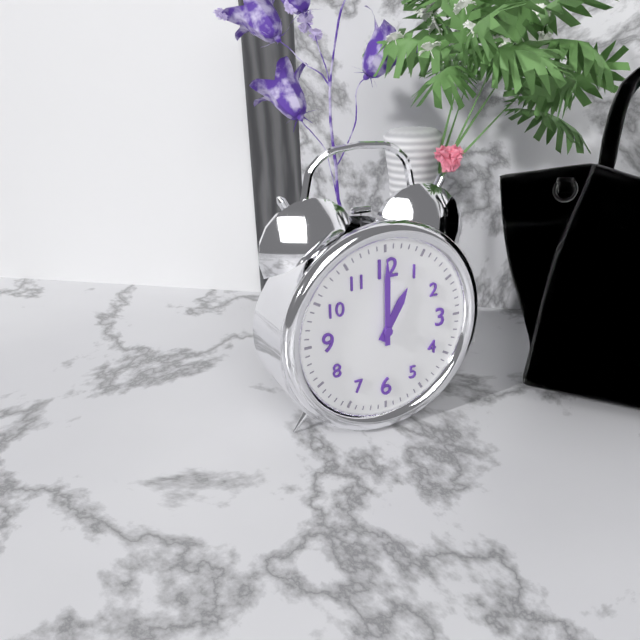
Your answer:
1 h 00 min
